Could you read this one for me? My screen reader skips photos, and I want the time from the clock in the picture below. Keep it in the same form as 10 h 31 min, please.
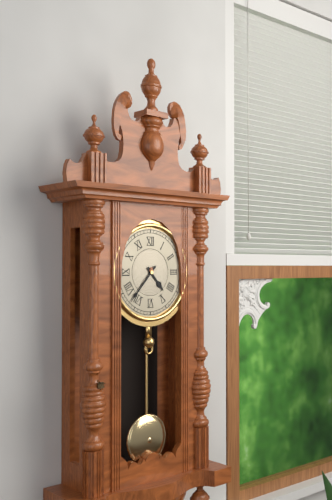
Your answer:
4 h 37 min
